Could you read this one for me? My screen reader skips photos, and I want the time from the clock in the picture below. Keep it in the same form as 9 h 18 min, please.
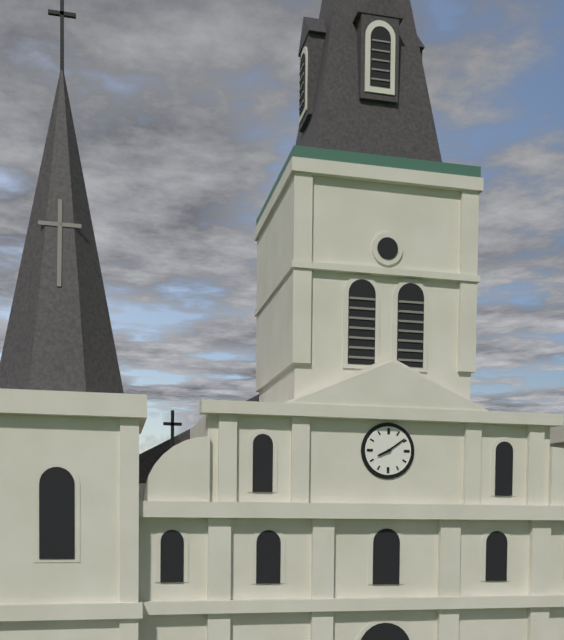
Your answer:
8 h 09 min
